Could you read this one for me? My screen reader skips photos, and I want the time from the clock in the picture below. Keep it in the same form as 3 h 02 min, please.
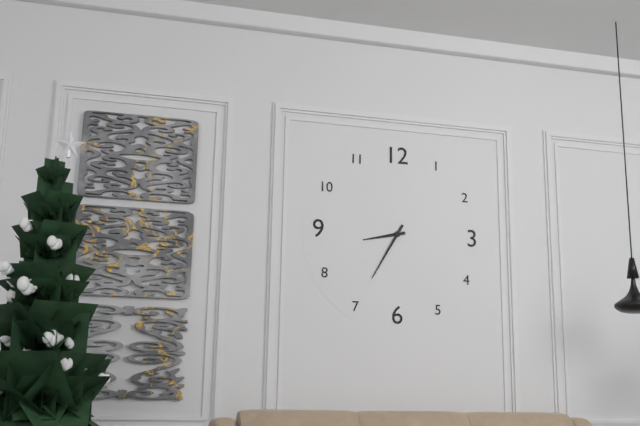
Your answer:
8 h 35 min
